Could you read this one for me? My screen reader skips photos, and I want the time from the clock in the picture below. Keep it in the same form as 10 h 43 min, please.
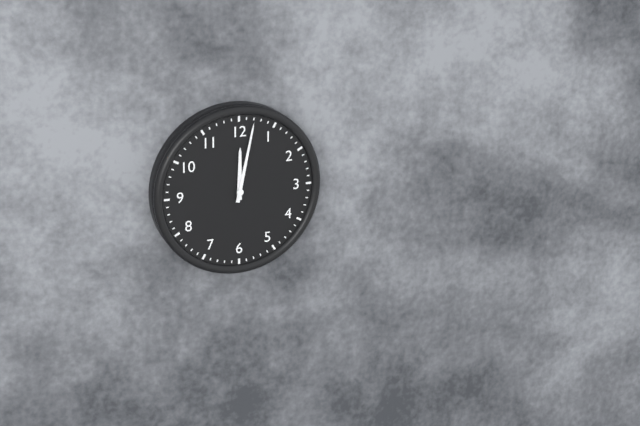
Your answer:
12 h 02 min
